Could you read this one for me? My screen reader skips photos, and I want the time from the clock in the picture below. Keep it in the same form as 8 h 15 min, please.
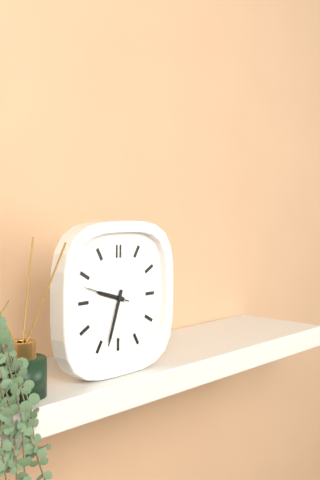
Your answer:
9 h 33 min
